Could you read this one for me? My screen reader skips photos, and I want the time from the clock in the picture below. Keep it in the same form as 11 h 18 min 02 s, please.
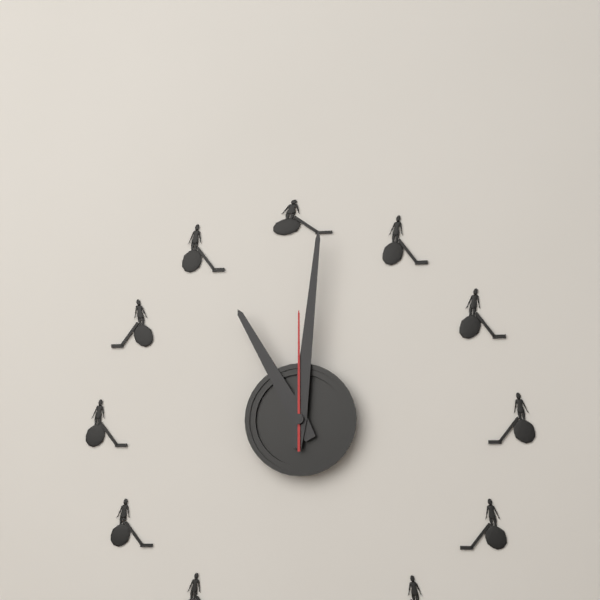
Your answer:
11 h 01 min 00 s
